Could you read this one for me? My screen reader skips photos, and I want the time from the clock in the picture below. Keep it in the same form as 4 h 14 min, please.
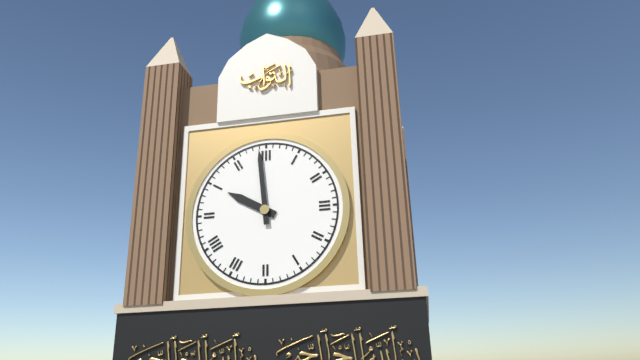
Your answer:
9 h 59 min
